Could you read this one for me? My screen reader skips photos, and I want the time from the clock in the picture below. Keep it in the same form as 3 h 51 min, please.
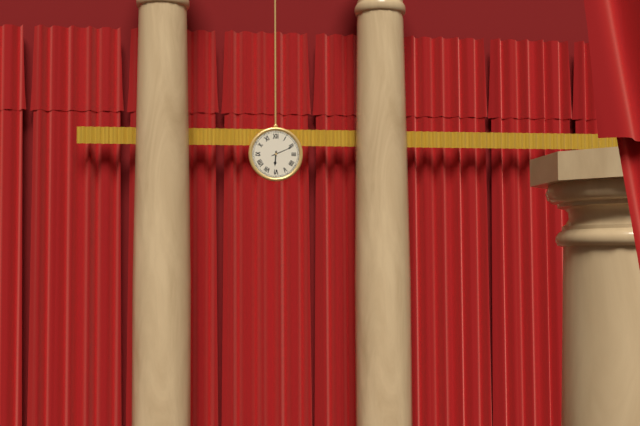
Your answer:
6 h 11 min
